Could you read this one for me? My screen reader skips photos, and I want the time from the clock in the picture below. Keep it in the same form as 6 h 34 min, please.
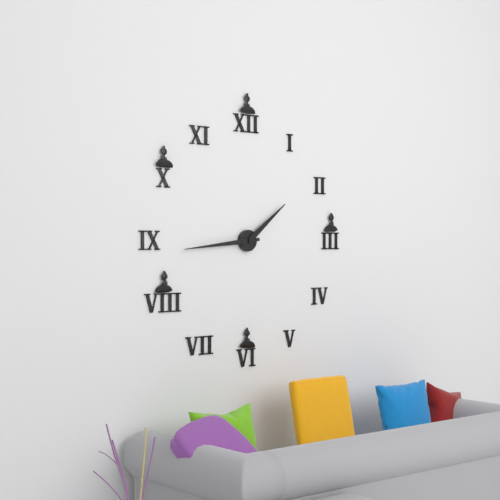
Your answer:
1 h 44 min
